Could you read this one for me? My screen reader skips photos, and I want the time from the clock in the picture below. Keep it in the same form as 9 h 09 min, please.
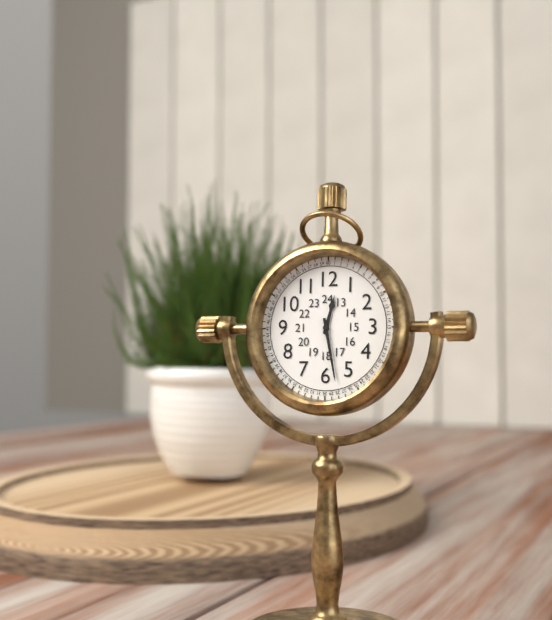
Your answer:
12 h 28 min
